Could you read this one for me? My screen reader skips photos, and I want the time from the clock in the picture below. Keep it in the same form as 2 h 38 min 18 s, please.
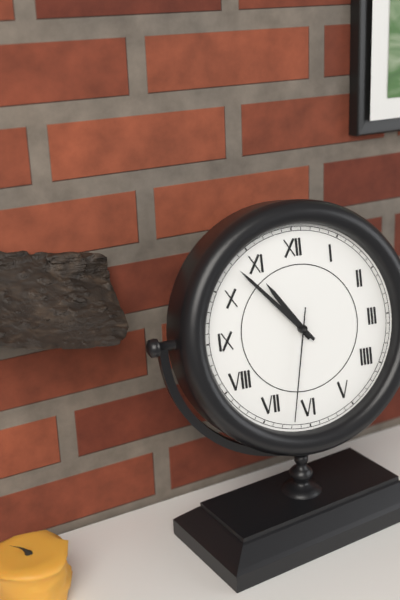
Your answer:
10 h 53 min 32 s
